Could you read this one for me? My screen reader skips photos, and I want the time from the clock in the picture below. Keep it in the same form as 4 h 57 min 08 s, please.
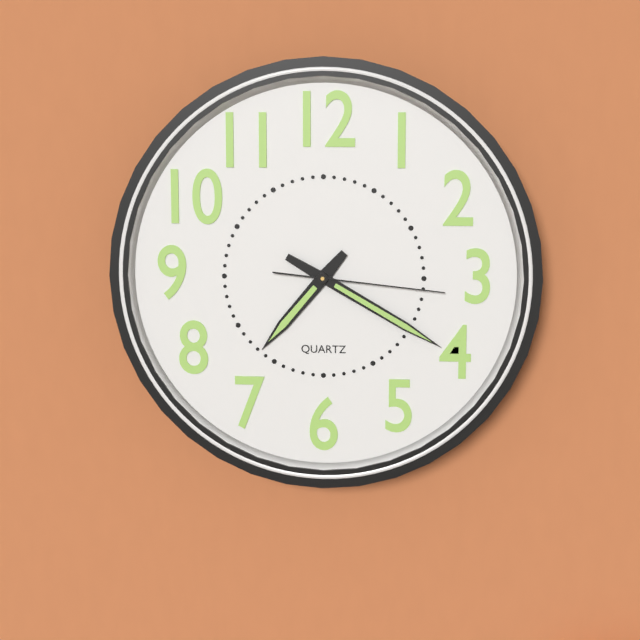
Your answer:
7 h 20 min 16 s
